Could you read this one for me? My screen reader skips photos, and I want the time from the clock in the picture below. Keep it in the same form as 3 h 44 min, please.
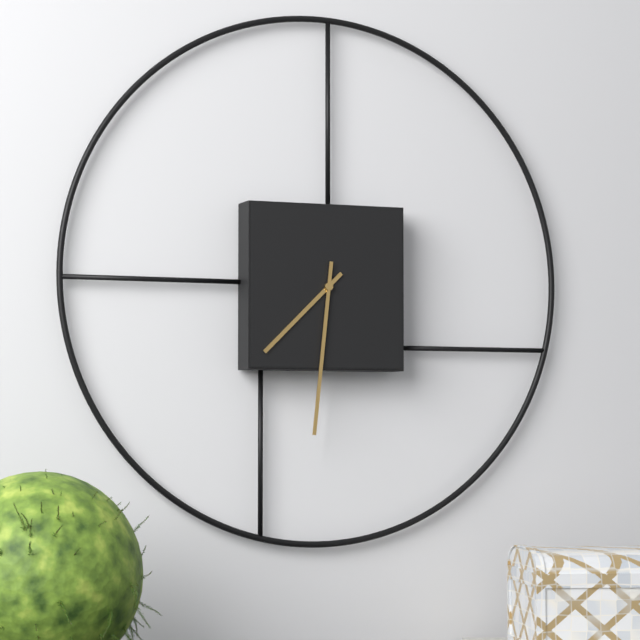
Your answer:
7 h 31 min
